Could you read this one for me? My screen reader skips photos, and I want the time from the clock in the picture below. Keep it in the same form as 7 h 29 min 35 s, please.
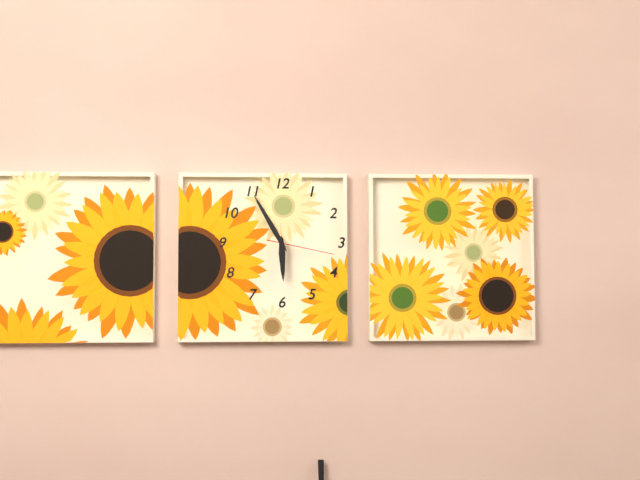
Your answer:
5 h 55 min 17 s
